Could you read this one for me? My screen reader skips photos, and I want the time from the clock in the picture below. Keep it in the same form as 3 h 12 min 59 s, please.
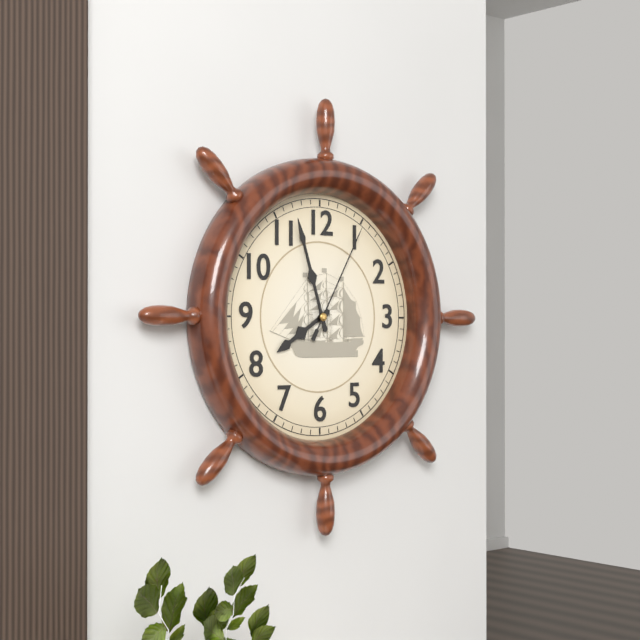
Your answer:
7 h 57 min 05 s
